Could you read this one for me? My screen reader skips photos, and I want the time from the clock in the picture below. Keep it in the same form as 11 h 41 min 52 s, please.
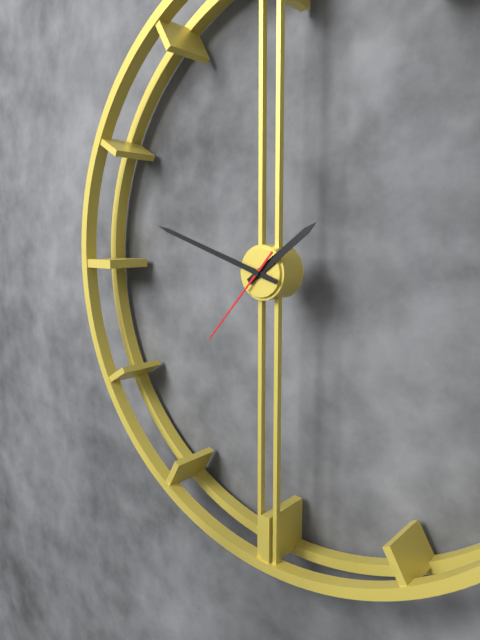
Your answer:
1 h 48 min 37 s
